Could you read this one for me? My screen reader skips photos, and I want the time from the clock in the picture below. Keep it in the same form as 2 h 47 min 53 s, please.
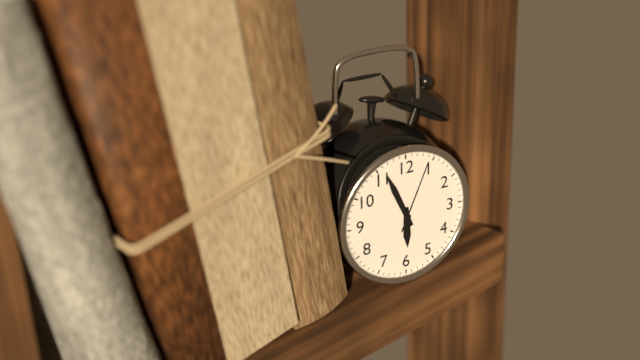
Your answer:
5 h 56 min 04 s
